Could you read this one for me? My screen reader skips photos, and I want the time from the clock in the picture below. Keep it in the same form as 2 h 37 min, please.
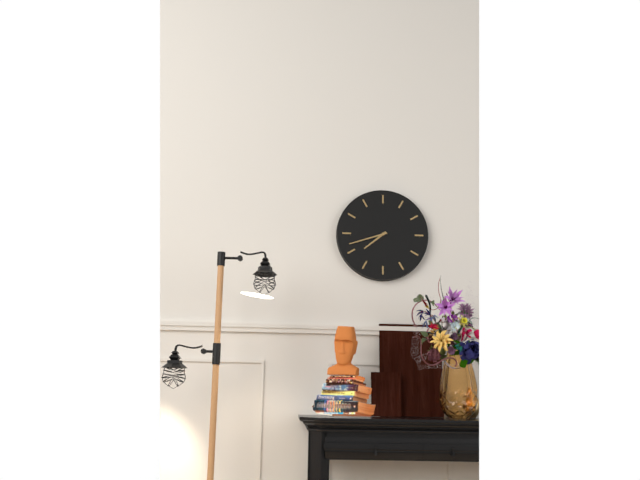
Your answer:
7 h 42 min
